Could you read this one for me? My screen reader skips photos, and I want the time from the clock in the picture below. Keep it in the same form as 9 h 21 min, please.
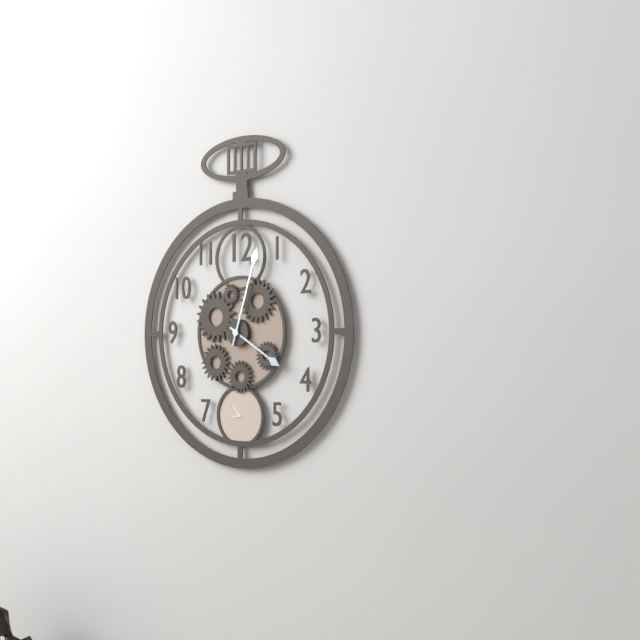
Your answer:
4 h 03 min
